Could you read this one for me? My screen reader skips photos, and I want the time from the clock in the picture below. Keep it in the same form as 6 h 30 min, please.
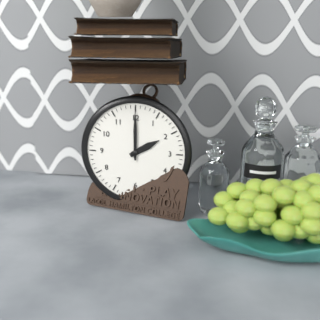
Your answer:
2 h 00 min
